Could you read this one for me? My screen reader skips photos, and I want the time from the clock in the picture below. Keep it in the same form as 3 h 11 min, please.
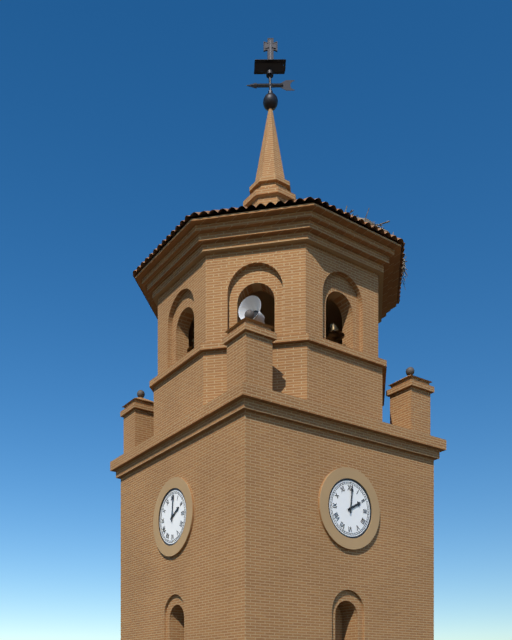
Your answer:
2 h 01 min
